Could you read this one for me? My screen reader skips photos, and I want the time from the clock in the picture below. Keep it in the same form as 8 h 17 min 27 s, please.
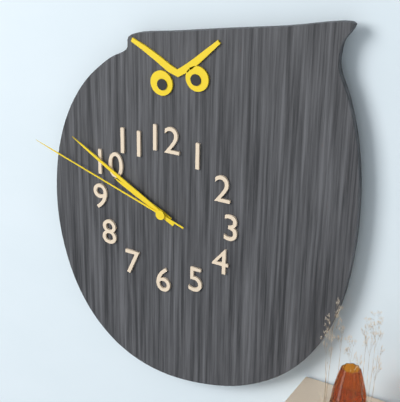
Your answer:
9 h 50 min 48 s
